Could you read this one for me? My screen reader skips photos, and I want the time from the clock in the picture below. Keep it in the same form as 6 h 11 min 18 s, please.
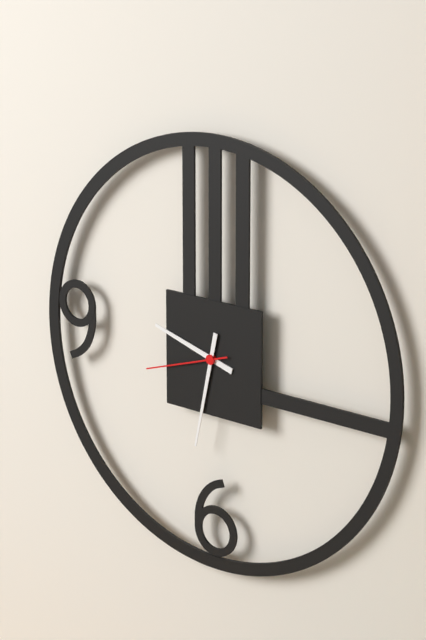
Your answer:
9 h 32 min 42 s
